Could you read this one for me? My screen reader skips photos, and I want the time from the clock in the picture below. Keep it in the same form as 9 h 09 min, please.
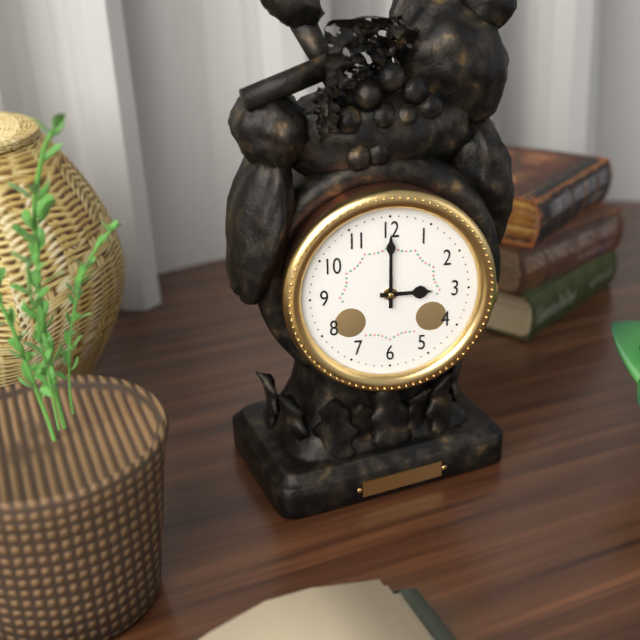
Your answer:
3 h 00 min
